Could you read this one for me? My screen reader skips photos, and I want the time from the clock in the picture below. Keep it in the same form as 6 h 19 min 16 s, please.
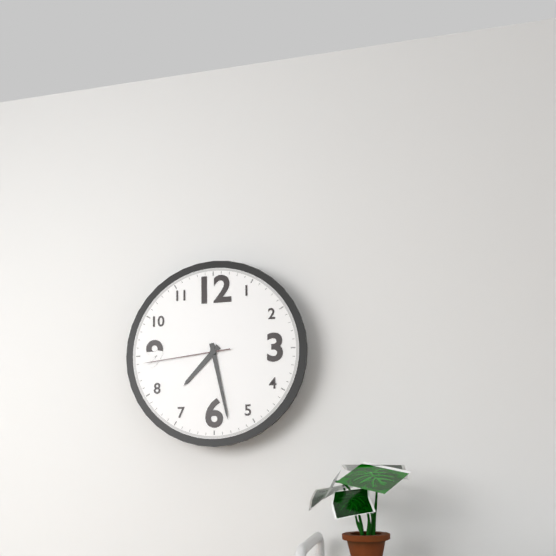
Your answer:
7 h 28 min 44 s
